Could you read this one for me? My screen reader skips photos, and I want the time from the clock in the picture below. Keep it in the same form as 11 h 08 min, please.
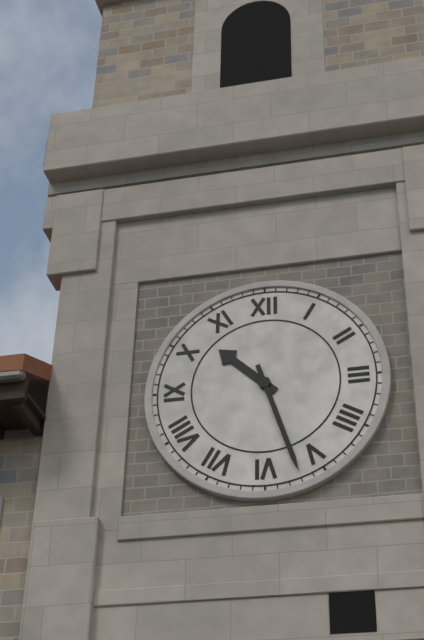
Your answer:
10 h 27 min
